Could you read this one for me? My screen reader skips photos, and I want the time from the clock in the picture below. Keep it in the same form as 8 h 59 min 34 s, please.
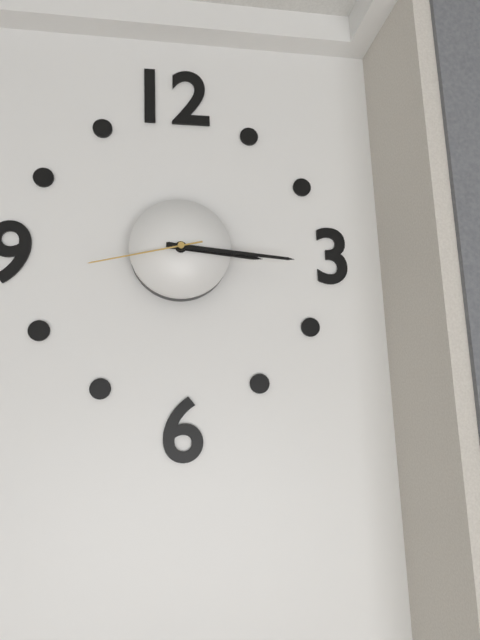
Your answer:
3 h 16 min 43 s
